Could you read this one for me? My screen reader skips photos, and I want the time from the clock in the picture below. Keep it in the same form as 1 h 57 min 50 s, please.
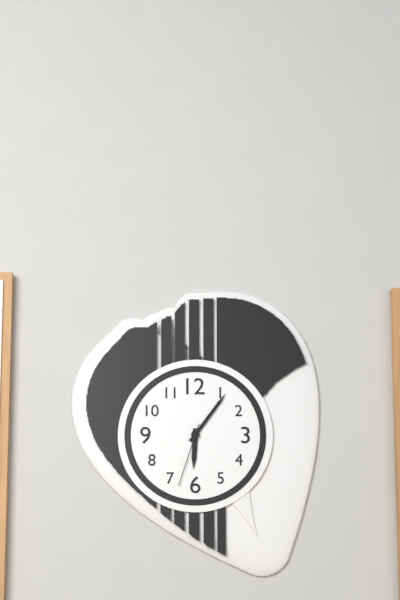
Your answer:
6 h 06 min 33 s
